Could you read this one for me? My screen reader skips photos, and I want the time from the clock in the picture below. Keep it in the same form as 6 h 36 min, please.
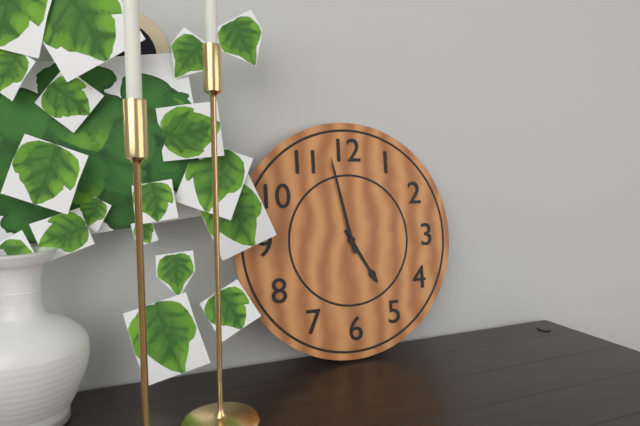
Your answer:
4 h 58 min
